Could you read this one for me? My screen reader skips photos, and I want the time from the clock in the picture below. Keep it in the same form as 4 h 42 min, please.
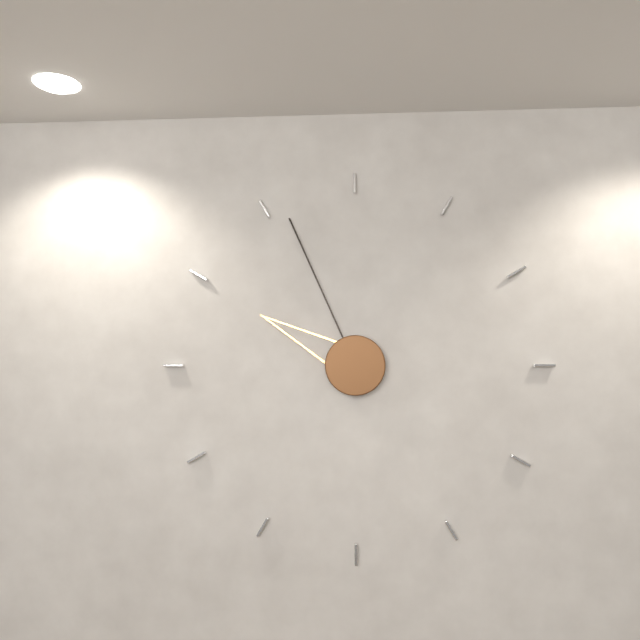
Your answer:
9 h 56 min
